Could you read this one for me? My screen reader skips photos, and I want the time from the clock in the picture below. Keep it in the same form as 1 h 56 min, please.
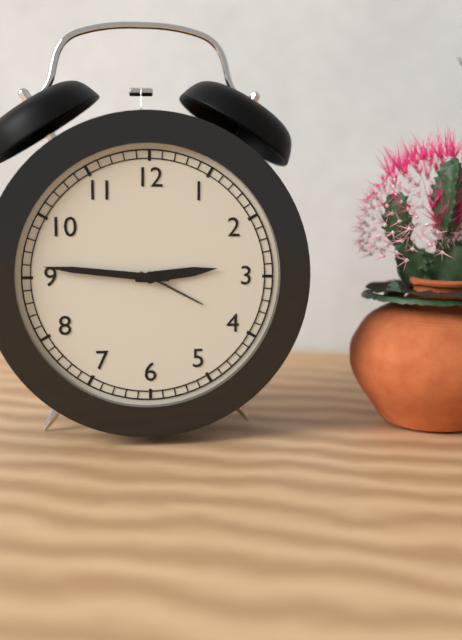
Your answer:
2 h 46 min
